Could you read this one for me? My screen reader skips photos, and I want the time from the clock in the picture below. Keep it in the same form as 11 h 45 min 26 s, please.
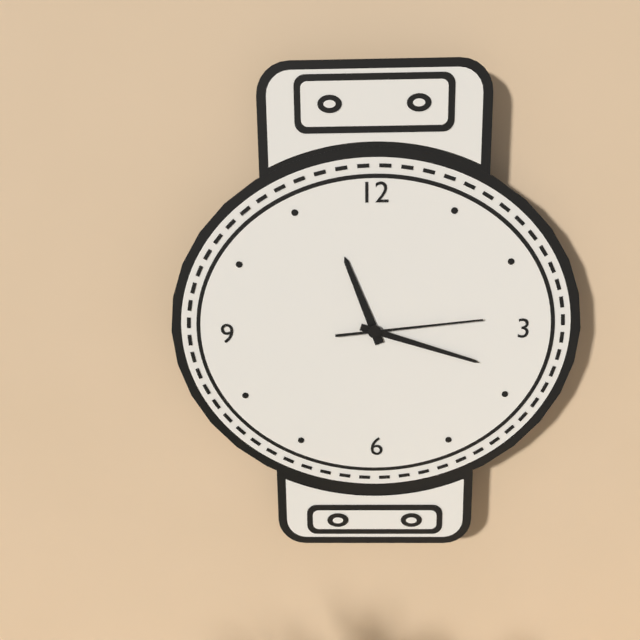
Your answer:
11 h 18 min 14 s
